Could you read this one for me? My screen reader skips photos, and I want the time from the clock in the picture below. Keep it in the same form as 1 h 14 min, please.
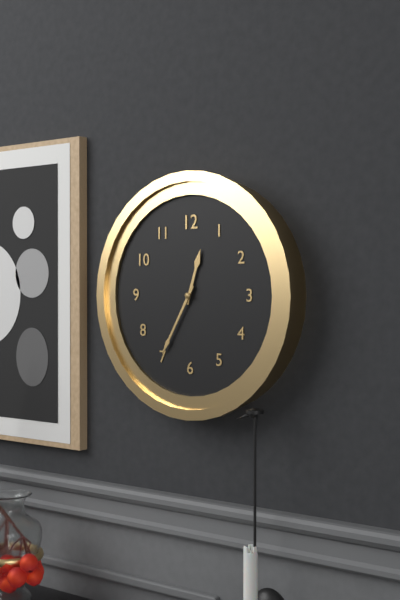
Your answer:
12 h 35 min
